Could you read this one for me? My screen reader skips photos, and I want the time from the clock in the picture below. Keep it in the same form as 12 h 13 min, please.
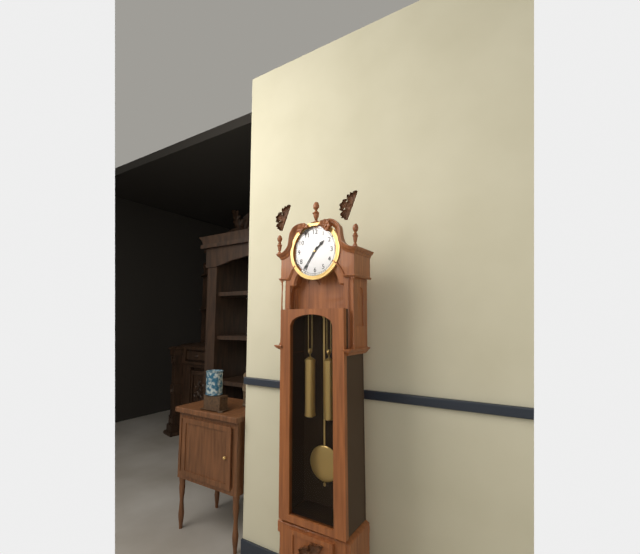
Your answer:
1 h 36 min
